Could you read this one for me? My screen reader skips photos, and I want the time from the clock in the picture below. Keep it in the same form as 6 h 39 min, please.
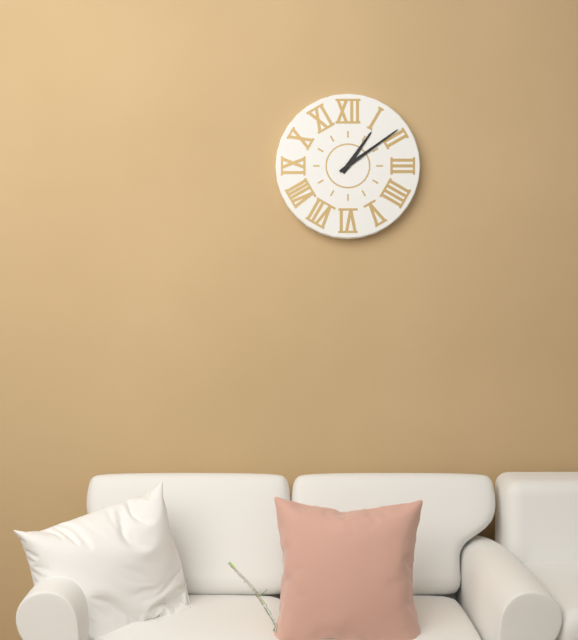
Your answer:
1 h 09 min
